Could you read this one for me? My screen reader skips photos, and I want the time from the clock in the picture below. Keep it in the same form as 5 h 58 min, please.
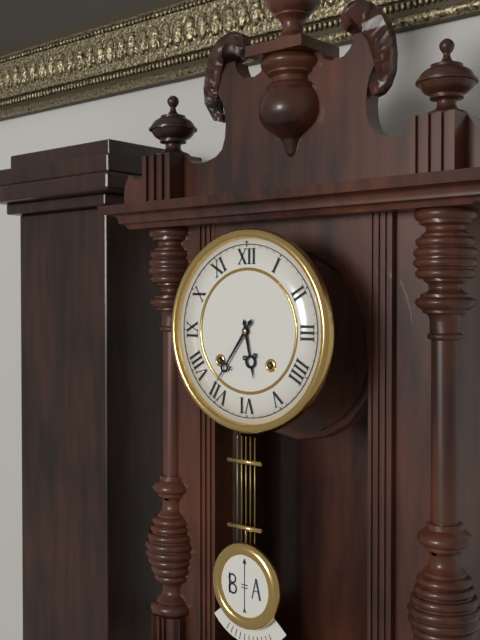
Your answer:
5 h 36 min
